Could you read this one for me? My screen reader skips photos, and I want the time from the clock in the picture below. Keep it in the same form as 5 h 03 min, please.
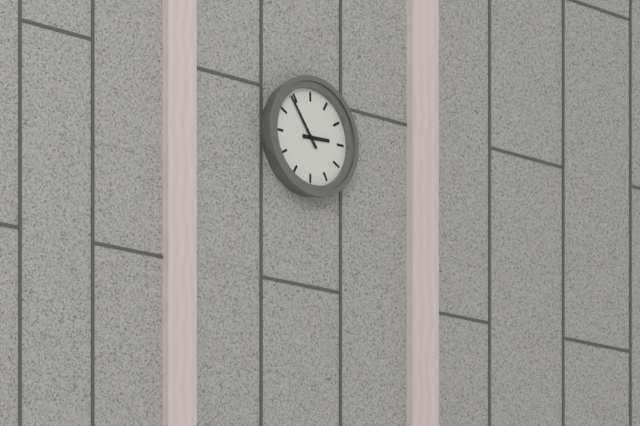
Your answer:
2 h 54 min
